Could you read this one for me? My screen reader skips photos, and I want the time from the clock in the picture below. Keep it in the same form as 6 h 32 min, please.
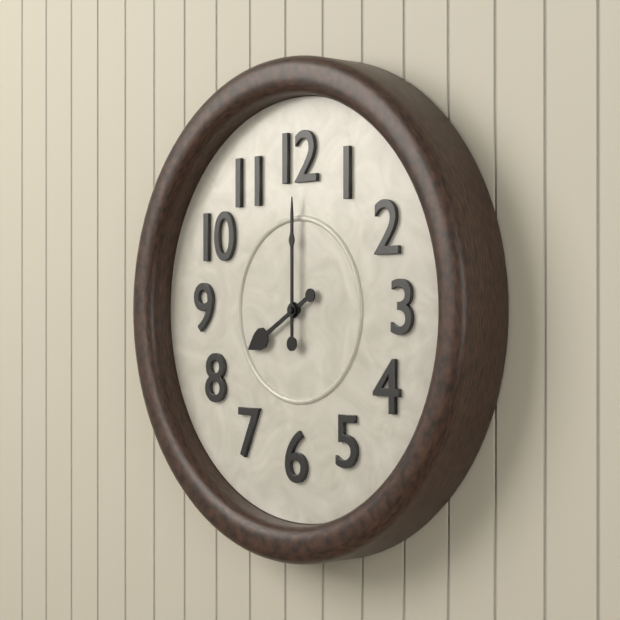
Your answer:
8 h 00 min
